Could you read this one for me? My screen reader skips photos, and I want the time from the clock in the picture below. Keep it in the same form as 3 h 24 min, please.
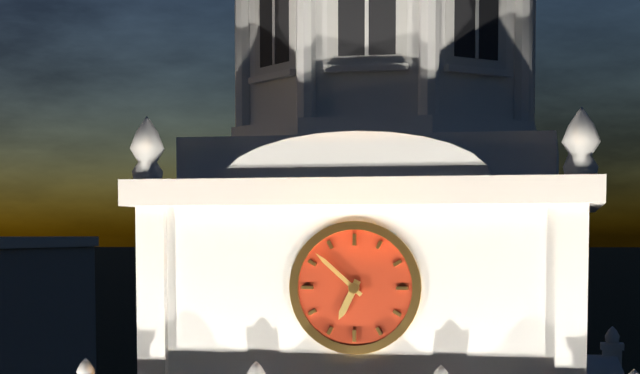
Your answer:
6 h 52 min
